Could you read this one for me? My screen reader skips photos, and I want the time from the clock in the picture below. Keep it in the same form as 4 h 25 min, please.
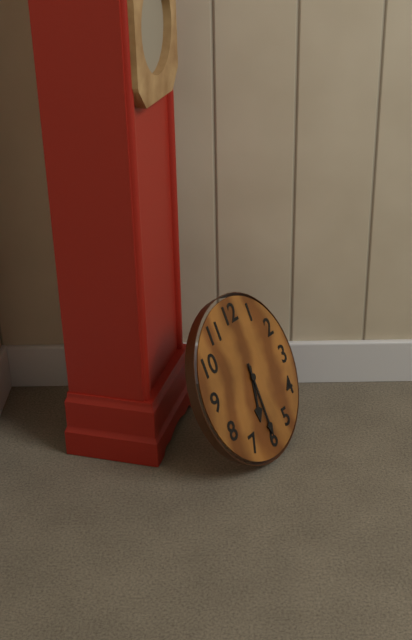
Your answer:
6 h 30 min
